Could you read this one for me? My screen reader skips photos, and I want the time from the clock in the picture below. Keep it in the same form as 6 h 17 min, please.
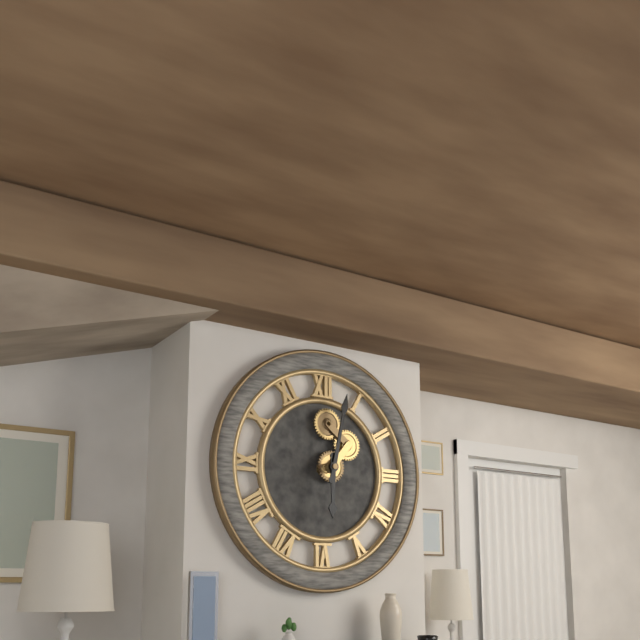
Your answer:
6 h 02 min
